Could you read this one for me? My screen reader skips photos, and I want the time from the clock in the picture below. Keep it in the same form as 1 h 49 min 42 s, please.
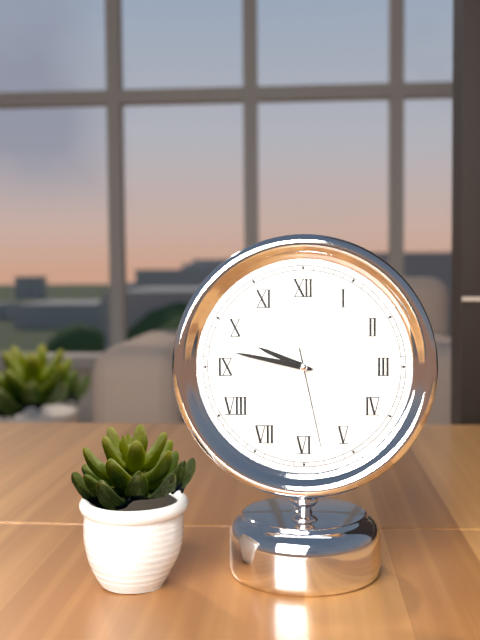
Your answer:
9 h 47 min 28 s
